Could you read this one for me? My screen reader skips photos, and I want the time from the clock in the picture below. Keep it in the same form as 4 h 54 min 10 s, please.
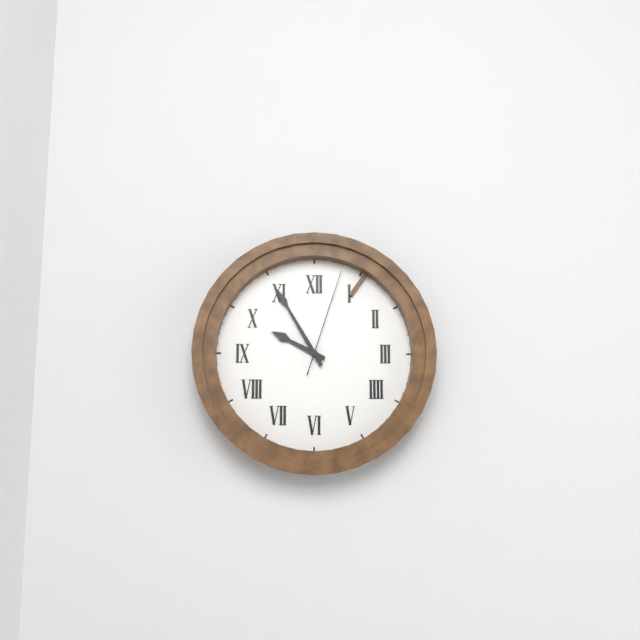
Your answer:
9 h 55 min 03 s
